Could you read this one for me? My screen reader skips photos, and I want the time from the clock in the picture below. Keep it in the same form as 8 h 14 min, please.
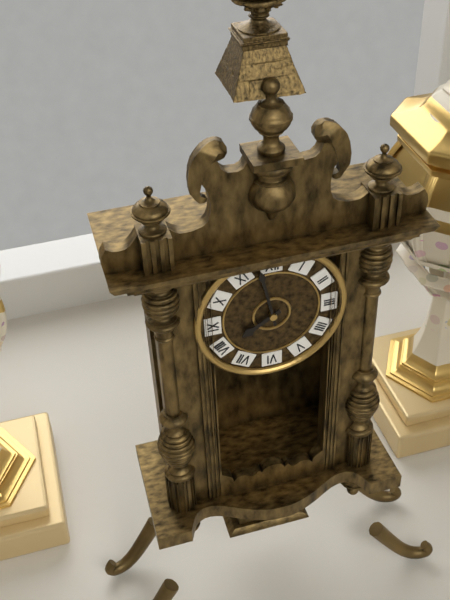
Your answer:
7 h 58 min
